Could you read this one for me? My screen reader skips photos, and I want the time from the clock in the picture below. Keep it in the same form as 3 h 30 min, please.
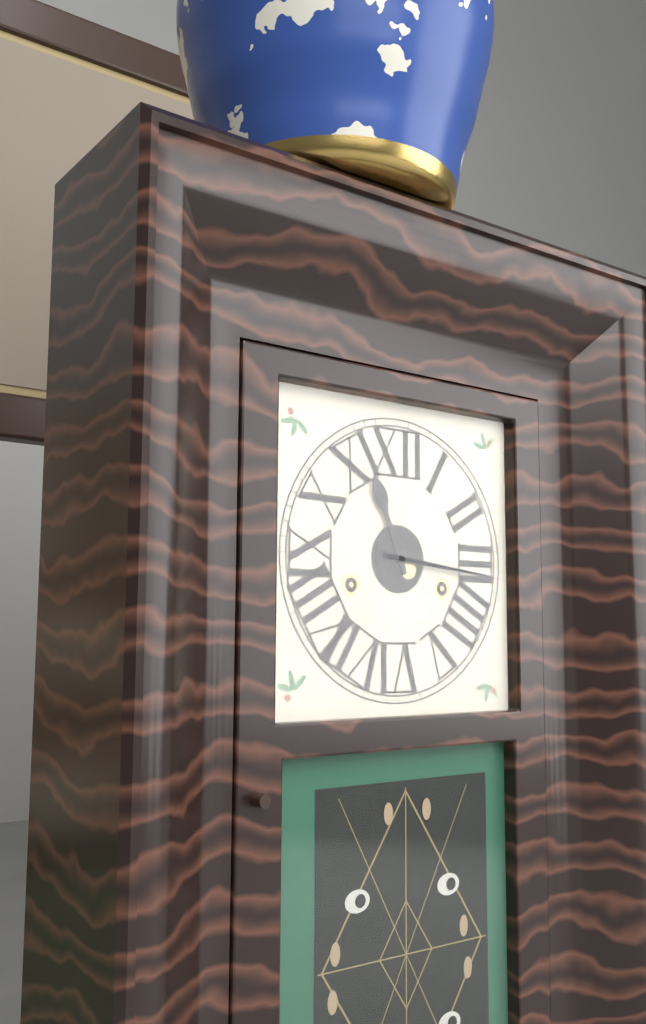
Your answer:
11 h 16 min
